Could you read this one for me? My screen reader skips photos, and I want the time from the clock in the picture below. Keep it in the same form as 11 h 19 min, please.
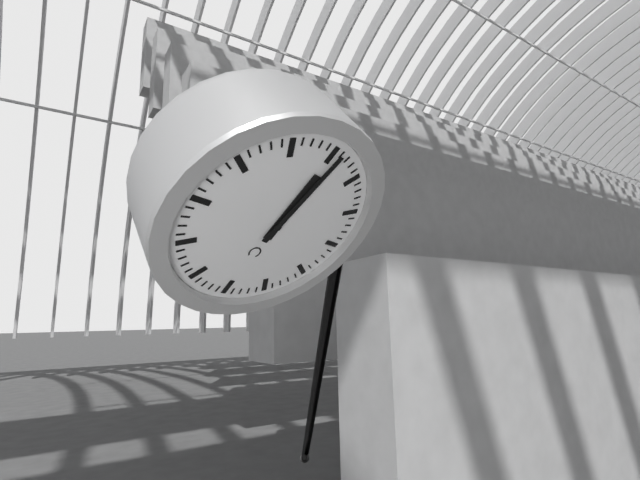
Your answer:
12 h 01 min
